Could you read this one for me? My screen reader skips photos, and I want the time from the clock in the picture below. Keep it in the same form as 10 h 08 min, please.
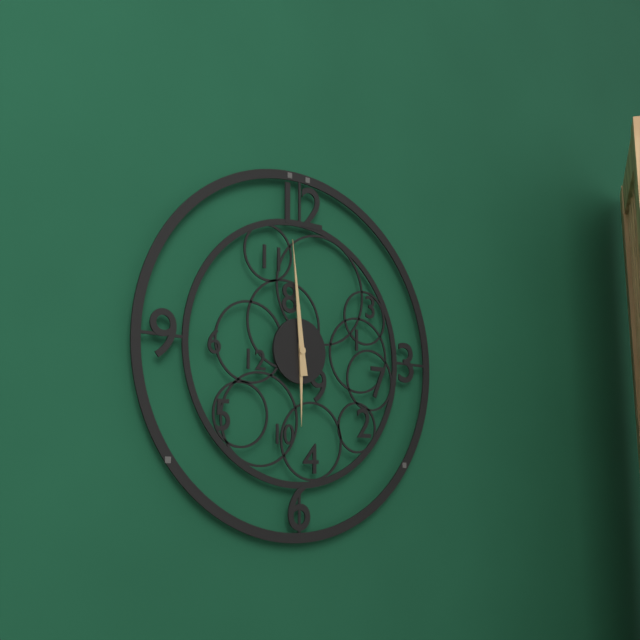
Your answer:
5 h 59 min
